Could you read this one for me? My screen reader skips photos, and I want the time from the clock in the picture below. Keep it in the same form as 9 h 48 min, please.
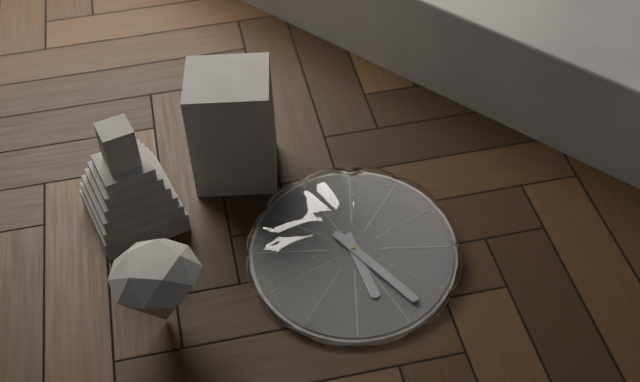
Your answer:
5 h 23 min
